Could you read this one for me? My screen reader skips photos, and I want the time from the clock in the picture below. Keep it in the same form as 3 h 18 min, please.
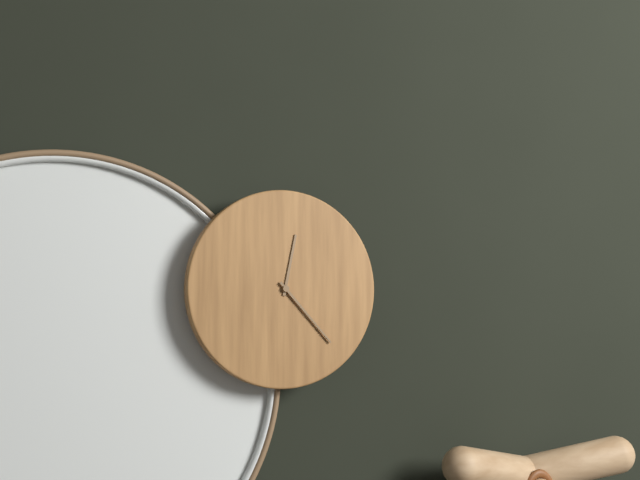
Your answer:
12 h 23 min
